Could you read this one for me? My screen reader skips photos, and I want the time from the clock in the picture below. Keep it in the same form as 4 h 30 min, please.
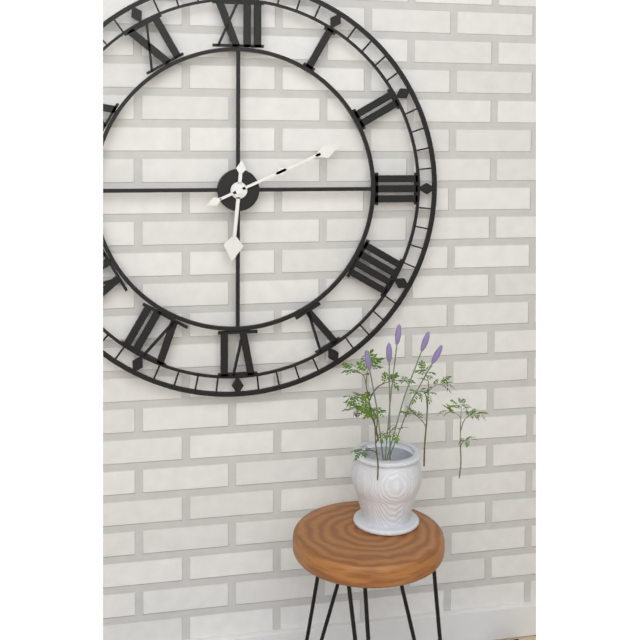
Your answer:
6 h 11 min
